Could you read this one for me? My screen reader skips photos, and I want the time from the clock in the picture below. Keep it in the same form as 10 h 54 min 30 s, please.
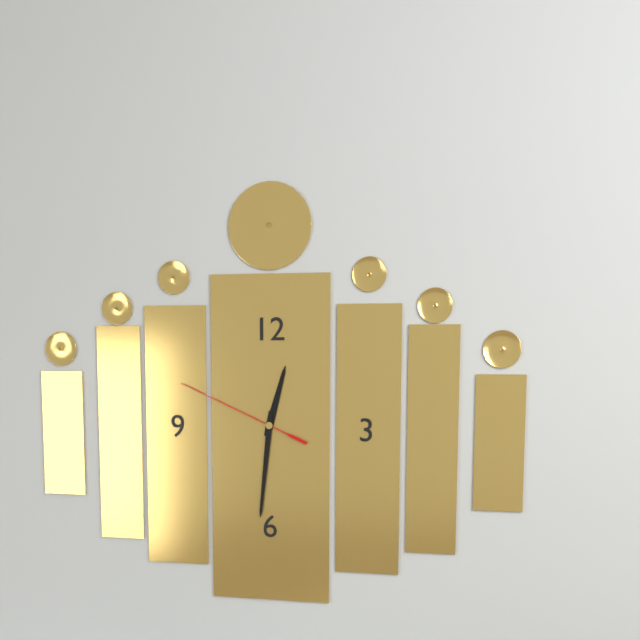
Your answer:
12 h 31 min 49 s
